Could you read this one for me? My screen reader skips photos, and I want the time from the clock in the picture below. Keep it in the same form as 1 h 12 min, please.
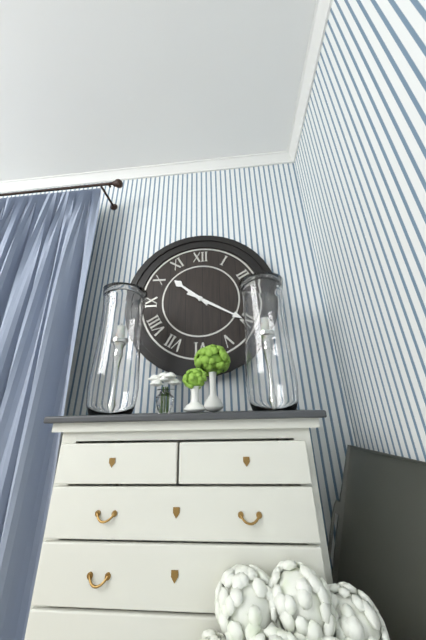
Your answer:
10 h 20 min
